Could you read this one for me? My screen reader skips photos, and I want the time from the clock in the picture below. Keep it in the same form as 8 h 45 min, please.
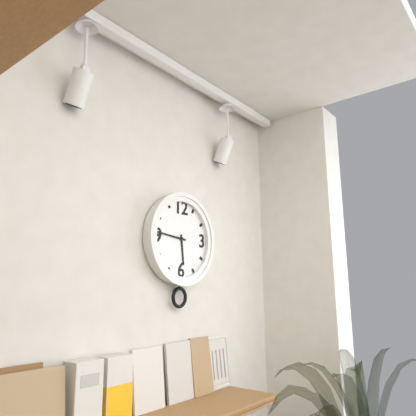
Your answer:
5 h 46 min
